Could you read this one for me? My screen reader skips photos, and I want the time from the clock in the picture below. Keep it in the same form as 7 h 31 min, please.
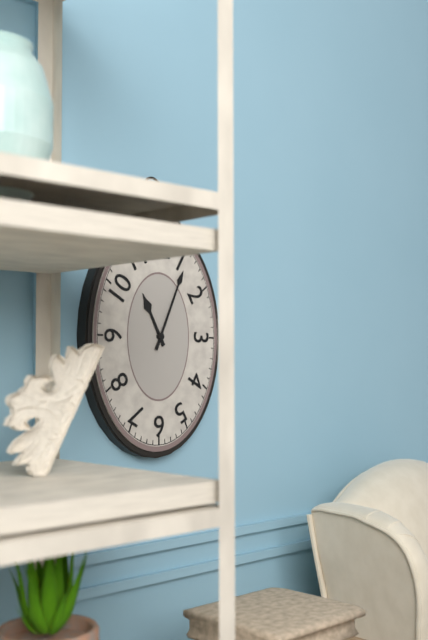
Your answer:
11 h 04 min
